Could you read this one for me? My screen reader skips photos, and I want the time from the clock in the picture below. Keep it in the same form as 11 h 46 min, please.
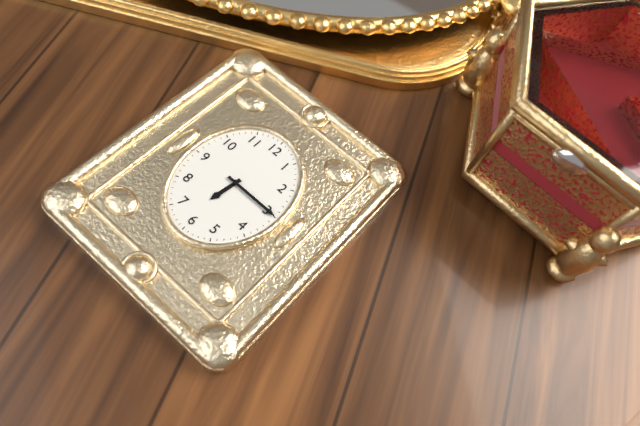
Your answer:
6 h 15 min
